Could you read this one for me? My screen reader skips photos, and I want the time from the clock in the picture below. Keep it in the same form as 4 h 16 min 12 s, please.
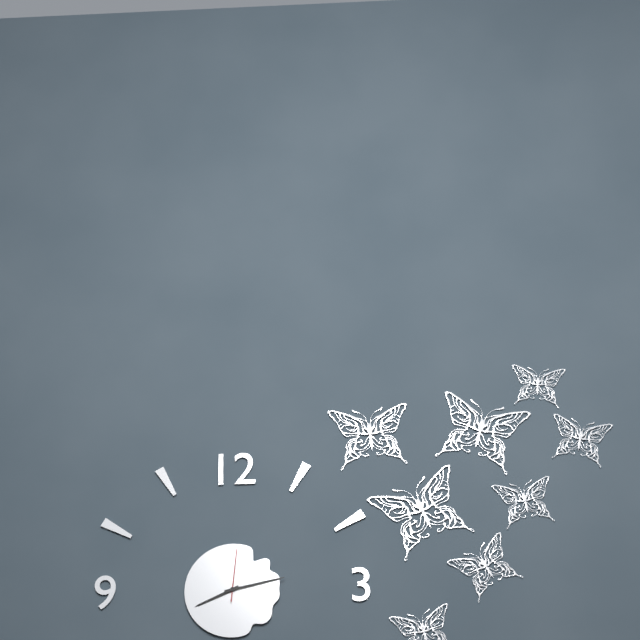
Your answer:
8 h 13 min 01 s
